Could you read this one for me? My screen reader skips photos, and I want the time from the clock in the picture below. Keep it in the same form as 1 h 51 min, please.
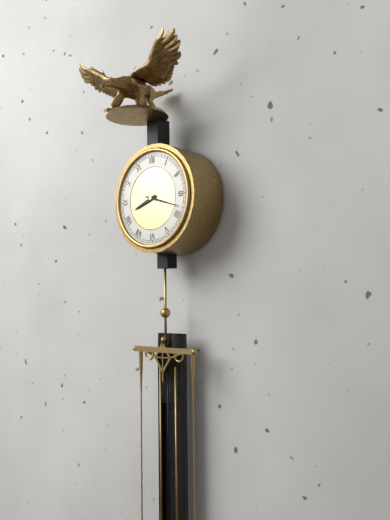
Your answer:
8 h 18 min
